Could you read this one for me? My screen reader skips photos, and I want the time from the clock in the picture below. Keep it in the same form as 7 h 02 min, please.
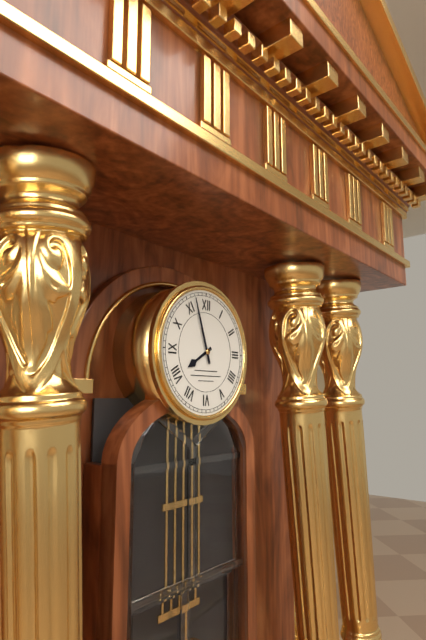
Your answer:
7 h 57 min
